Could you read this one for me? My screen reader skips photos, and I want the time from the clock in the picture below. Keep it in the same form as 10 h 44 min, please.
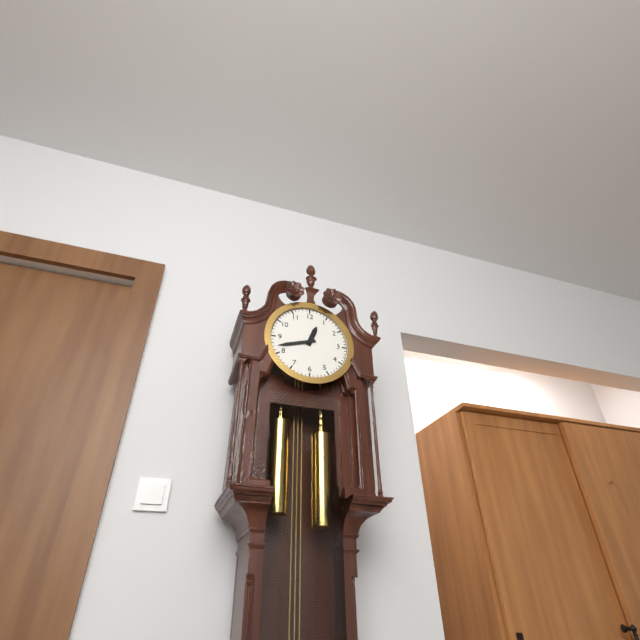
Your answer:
12 h 42 min
